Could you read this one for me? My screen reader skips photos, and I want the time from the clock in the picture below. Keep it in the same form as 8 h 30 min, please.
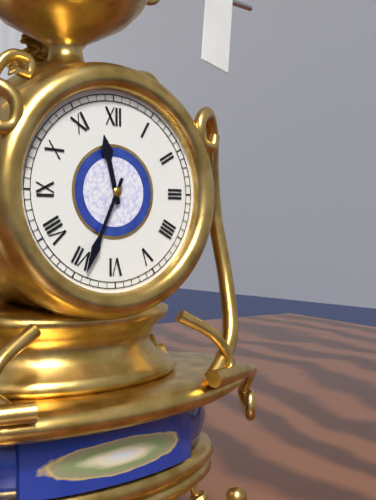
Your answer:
11 h 34 min
